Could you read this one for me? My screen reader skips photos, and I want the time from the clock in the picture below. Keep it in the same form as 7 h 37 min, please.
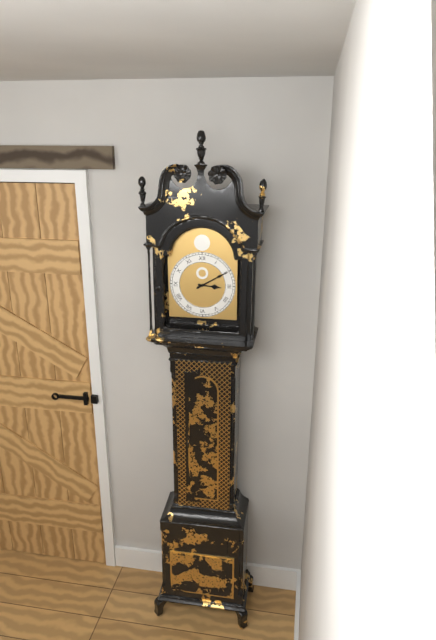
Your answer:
3 h 10 min
